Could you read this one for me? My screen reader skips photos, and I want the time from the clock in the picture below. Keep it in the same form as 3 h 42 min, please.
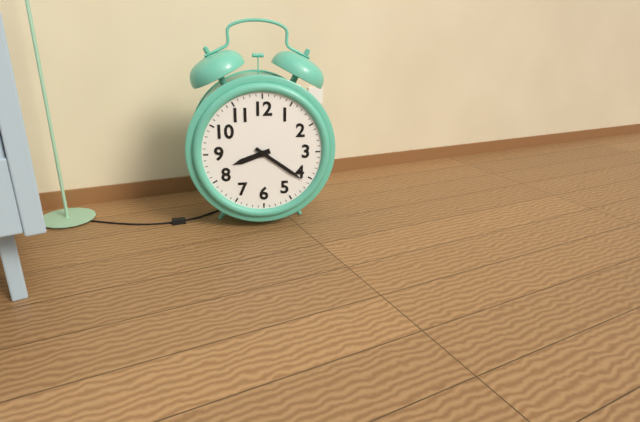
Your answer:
8 h 21 min
